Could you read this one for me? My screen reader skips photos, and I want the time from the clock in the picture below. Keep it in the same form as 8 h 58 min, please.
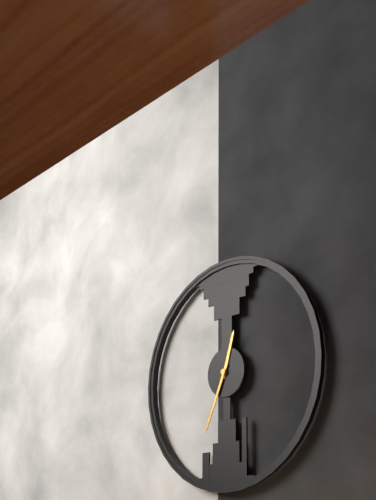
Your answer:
12 h 34 min
